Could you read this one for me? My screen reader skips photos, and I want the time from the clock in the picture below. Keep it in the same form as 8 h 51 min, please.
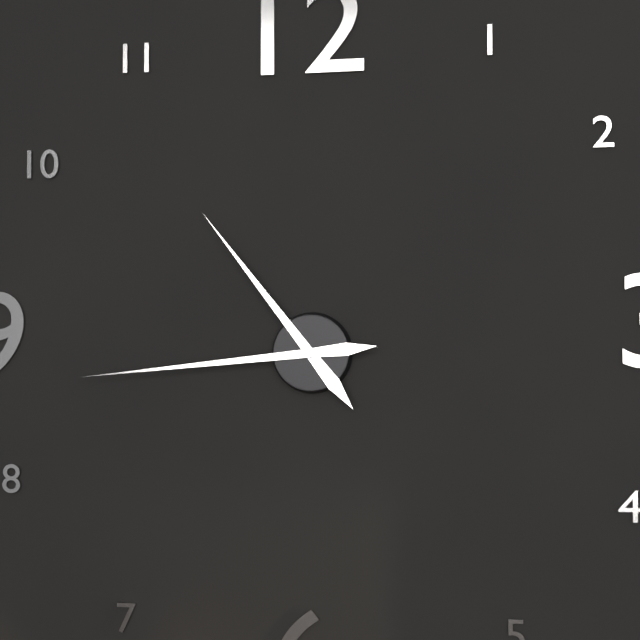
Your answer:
10 h 44 min
